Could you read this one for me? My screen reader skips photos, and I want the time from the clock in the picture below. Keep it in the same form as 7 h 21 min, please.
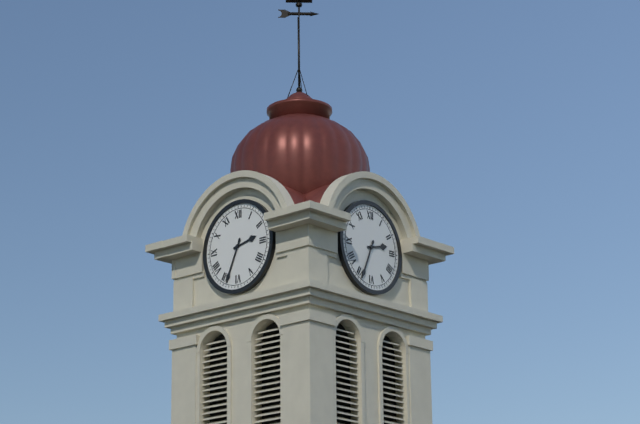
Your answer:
2 h 34 min
